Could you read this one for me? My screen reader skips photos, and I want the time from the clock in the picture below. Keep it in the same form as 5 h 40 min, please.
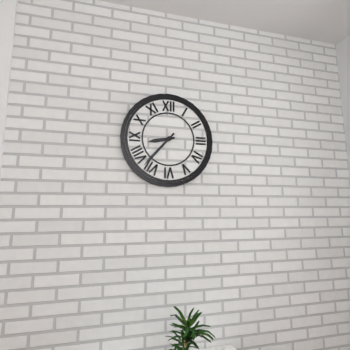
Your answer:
8 h 37 min
